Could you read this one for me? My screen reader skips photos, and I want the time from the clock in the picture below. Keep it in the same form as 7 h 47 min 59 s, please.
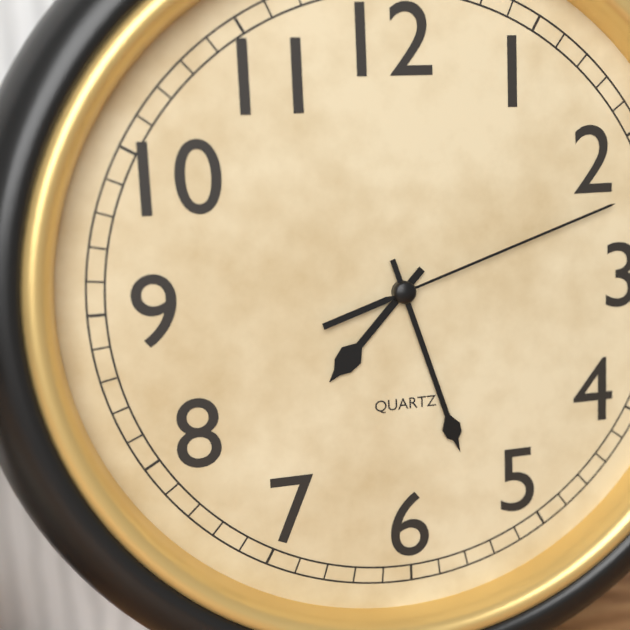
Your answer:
7 h 27 min 12 s
